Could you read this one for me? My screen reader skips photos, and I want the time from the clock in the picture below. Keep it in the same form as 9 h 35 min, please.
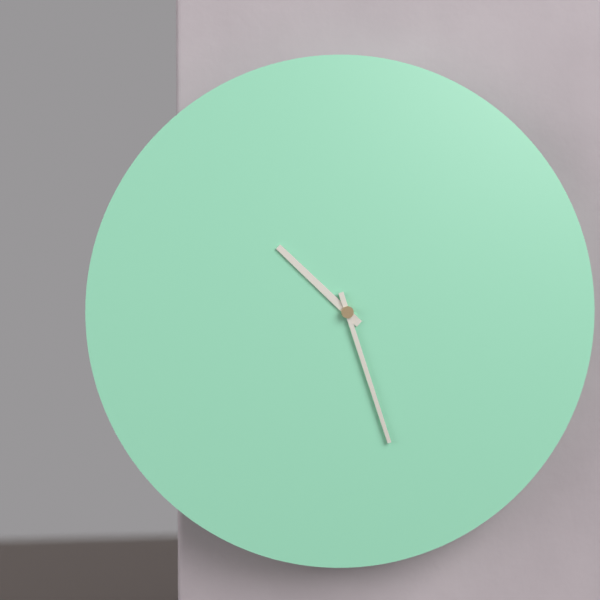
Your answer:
10 h 27 min
